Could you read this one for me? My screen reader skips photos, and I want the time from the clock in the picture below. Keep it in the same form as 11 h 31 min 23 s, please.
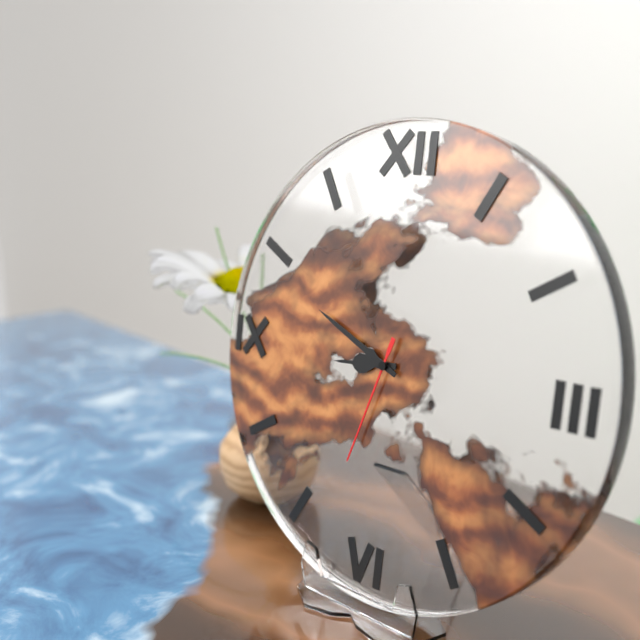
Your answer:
8 h 49 min 33 s
